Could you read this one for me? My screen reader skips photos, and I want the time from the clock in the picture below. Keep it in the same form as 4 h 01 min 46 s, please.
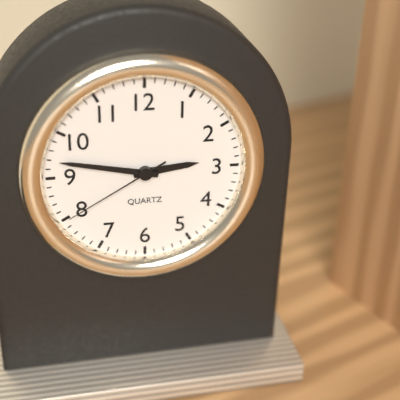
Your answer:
2 h 47 min 40 s
